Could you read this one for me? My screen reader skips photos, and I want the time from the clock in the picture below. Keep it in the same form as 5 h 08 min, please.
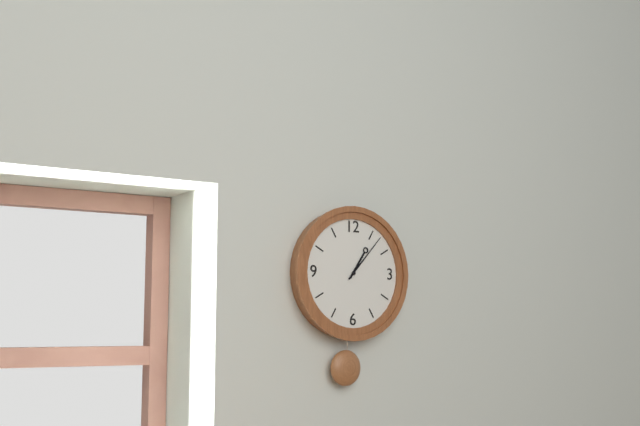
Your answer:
1 h 07 min
